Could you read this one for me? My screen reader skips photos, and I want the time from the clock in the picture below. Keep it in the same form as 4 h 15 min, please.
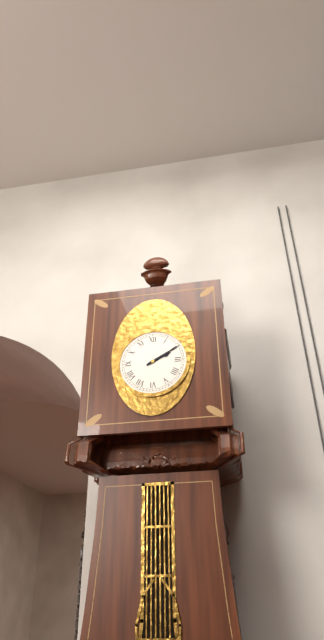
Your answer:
2 h 10 min
